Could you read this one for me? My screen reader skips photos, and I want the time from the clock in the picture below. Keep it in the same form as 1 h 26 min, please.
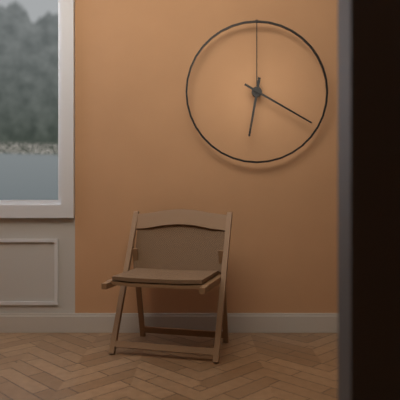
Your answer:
6 h 20 min
